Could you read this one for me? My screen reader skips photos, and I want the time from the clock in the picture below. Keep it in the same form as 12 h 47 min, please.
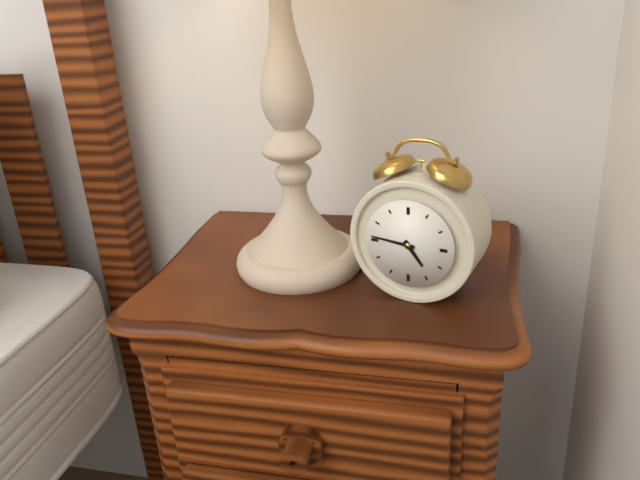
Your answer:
4 h 46 min
